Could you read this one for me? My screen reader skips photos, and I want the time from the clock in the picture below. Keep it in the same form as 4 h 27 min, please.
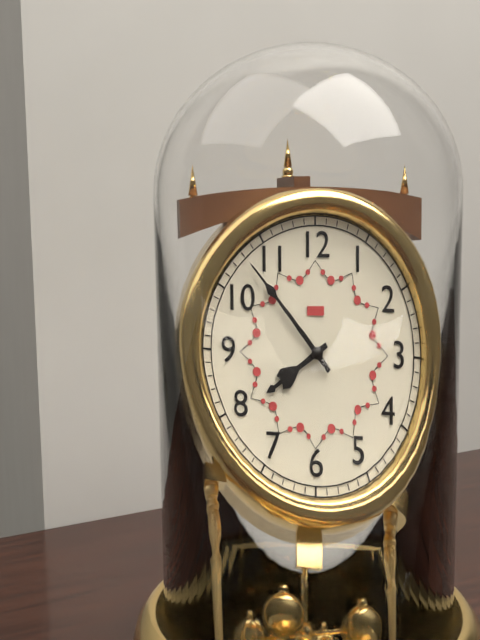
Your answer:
7 h 53 min
